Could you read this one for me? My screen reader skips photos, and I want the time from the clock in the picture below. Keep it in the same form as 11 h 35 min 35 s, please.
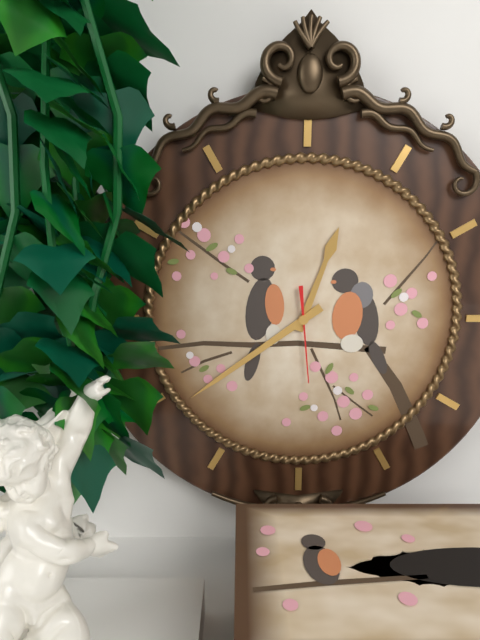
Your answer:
12 h 39 min 29 s
